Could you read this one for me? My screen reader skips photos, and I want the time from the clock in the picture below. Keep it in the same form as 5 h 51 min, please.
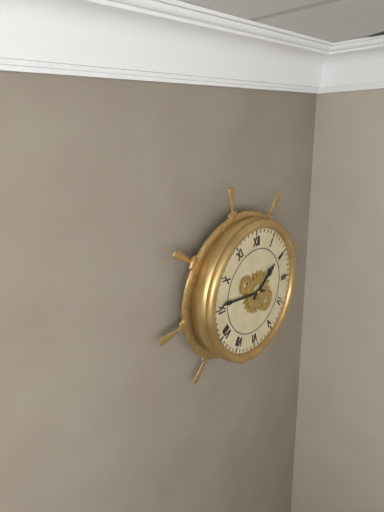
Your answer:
1 h 46 min
